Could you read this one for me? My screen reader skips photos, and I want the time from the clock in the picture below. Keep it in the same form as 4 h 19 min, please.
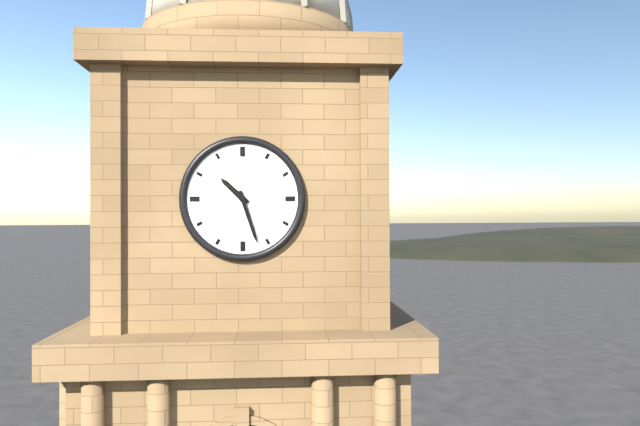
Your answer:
10 h 27 min
